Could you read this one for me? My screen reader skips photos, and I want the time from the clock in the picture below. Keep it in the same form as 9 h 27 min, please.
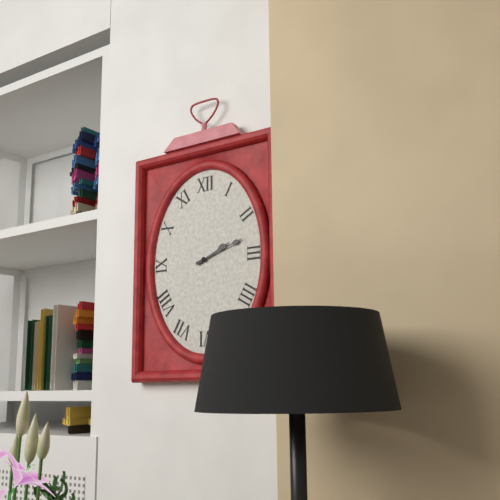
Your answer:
2 h 12 min
